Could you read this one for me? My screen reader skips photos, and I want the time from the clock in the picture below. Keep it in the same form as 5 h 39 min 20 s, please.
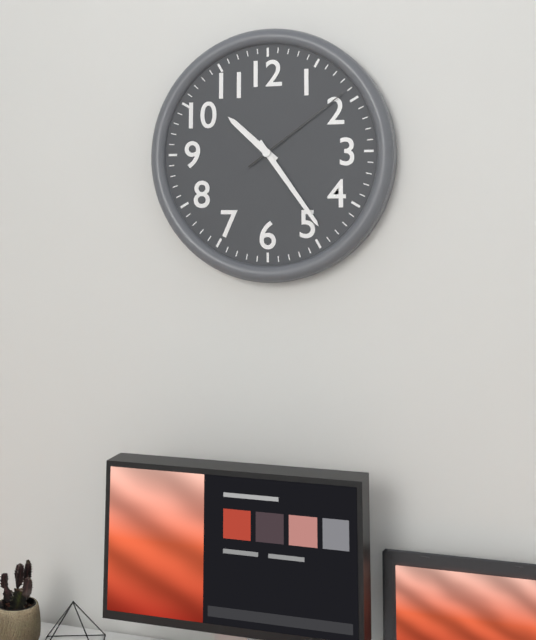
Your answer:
10 h 24 min 09 s
